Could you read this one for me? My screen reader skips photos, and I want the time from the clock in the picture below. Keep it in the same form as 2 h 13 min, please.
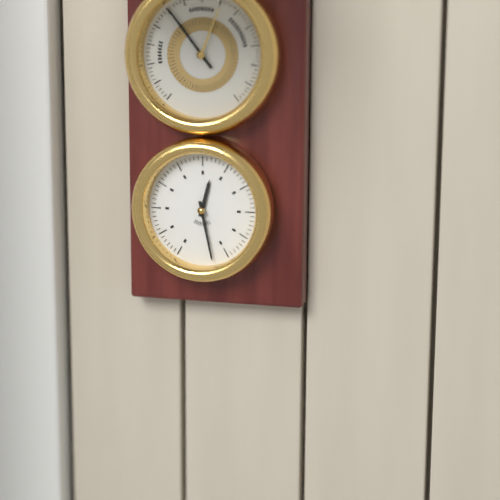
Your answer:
12 h 28 min
